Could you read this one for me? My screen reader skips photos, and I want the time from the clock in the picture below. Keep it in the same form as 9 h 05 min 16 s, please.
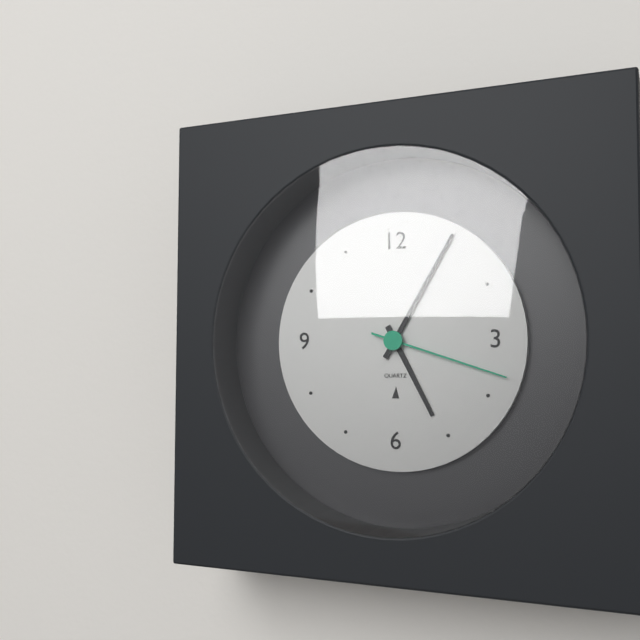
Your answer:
5 h 05 min 18 s
